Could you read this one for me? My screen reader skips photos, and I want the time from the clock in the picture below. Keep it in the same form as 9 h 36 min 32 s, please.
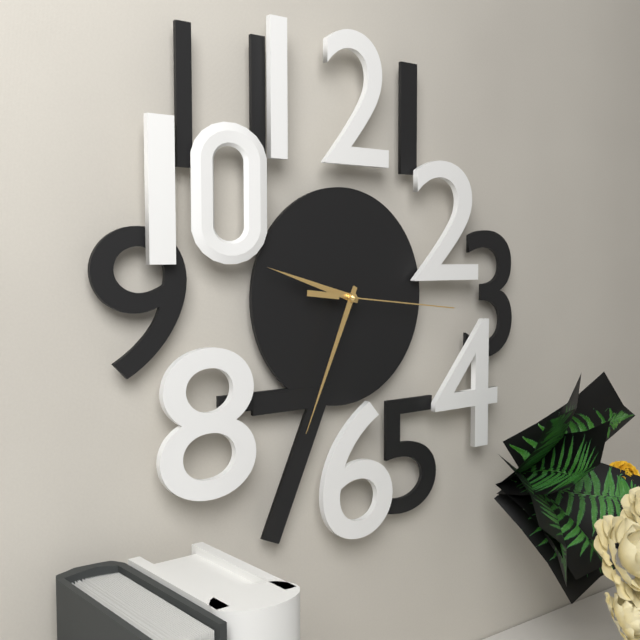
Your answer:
9 h 34 min 16 s
